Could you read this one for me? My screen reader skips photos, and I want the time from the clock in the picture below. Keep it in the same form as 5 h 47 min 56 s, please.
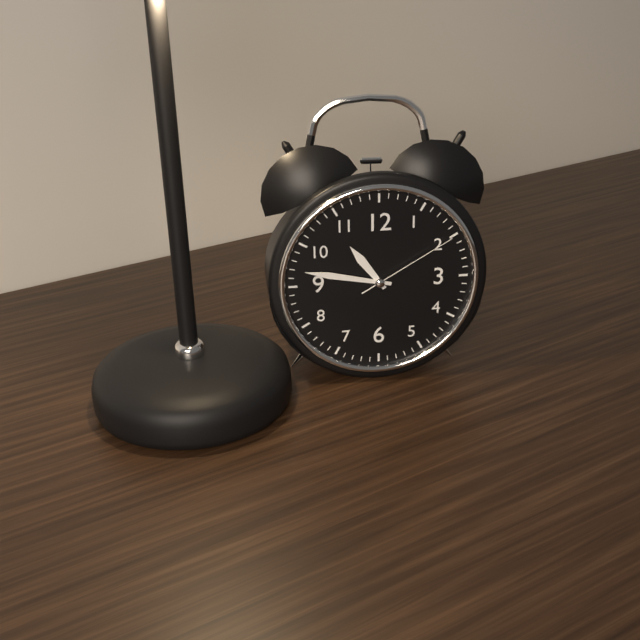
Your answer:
10 h 47 min 10 s
